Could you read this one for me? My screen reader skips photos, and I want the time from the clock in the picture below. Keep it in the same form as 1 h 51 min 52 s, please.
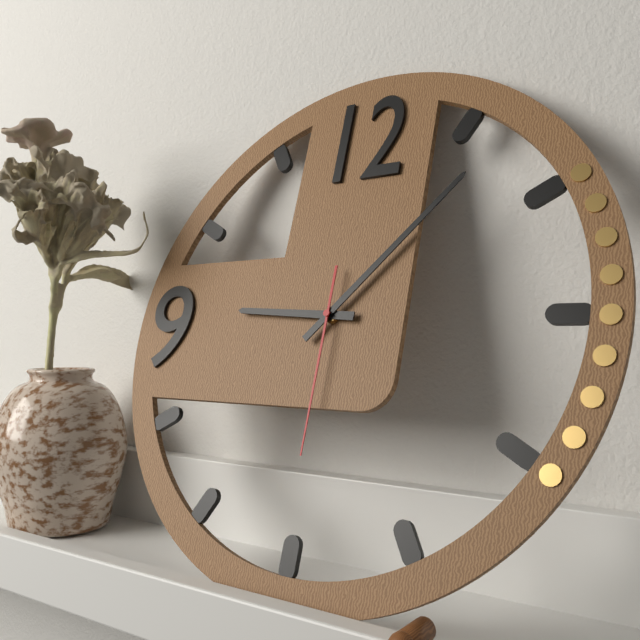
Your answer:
9 h 07 min 30 s
